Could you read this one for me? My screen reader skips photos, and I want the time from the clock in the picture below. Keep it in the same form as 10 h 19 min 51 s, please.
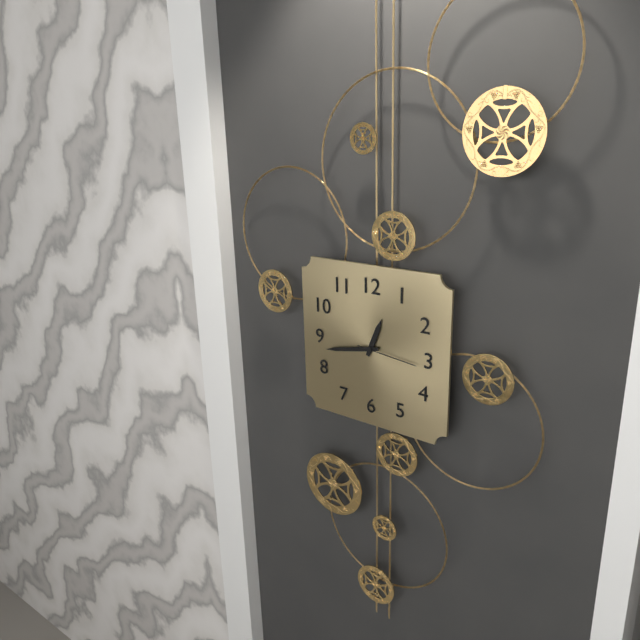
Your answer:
12 h 43 min 16 s
